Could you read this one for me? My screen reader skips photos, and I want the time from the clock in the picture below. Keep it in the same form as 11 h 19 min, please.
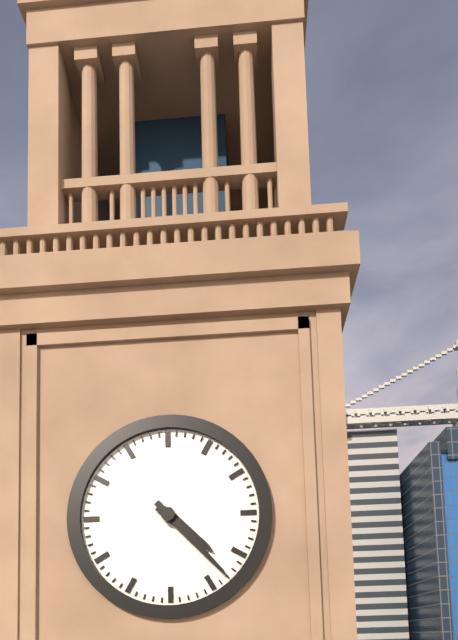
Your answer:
4 h 23 min
